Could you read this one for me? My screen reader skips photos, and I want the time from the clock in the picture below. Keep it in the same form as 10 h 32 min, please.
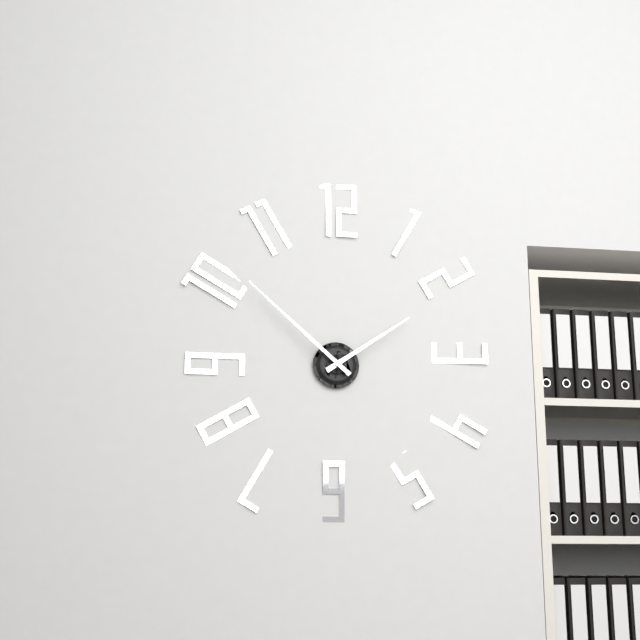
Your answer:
1 h 52 min
